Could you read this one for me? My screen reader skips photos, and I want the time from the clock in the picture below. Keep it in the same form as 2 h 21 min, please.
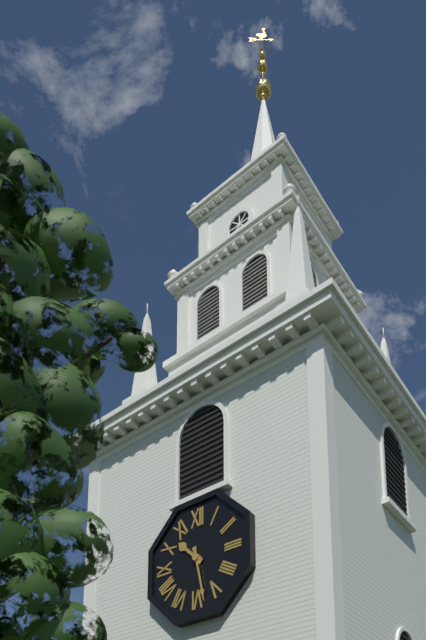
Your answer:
10 h 28 min
